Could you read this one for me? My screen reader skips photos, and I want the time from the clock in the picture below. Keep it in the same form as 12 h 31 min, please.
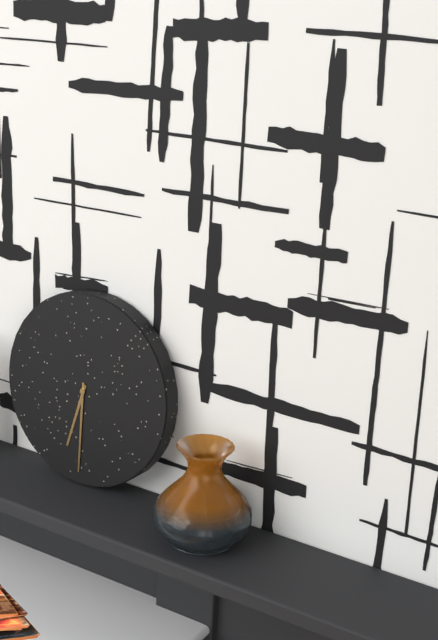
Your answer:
6 h 30 min
